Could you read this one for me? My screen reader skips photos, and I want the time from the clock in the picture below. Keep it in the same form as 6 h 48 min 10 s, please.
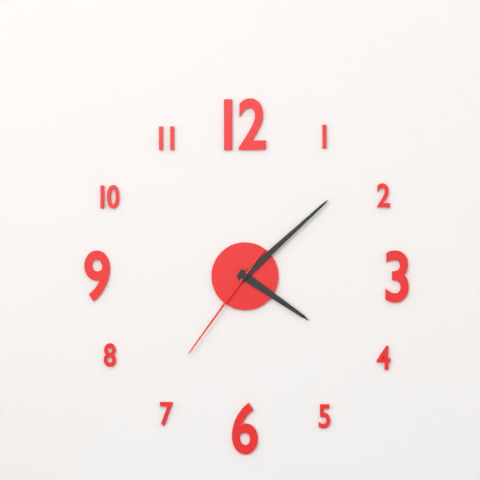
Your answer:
4 h 08 min 36 s
